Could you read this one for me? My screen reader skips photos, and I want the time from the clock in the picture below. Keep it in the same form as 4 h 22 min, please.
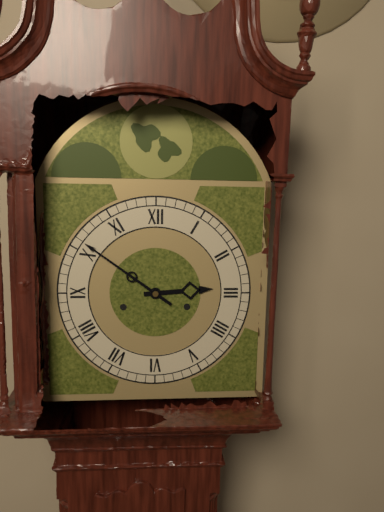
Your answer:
2 h 51 min
